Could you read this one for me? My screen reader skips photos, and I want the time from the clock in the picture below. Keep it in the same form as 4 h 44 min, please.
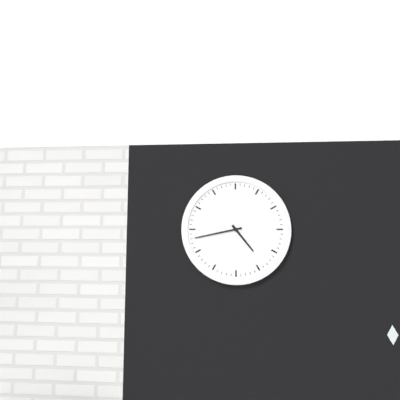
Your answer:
4 h 43 min
